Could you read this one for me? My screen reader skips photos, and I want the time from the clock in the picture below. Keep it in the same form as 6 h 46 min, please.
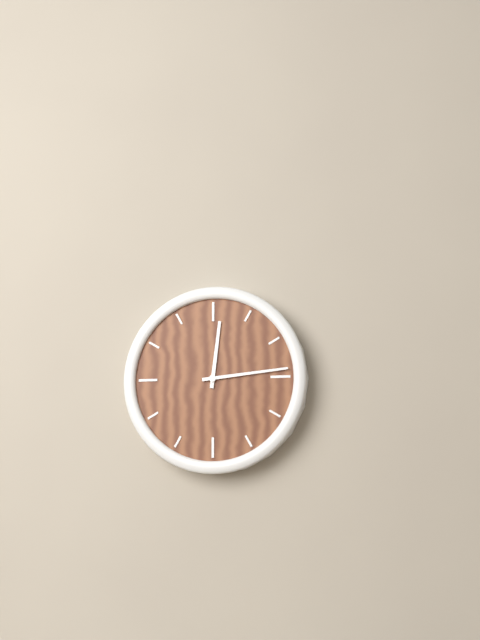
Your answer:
12 h 14 min
